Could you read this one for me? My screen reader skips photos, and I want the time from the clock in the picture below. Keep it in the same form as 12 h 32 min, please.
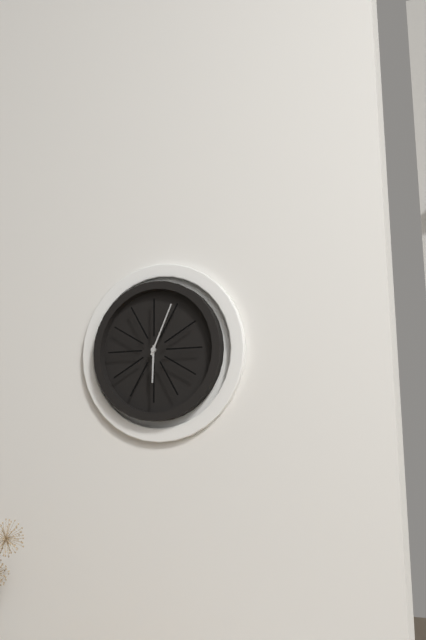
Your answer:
6 h 04 min
